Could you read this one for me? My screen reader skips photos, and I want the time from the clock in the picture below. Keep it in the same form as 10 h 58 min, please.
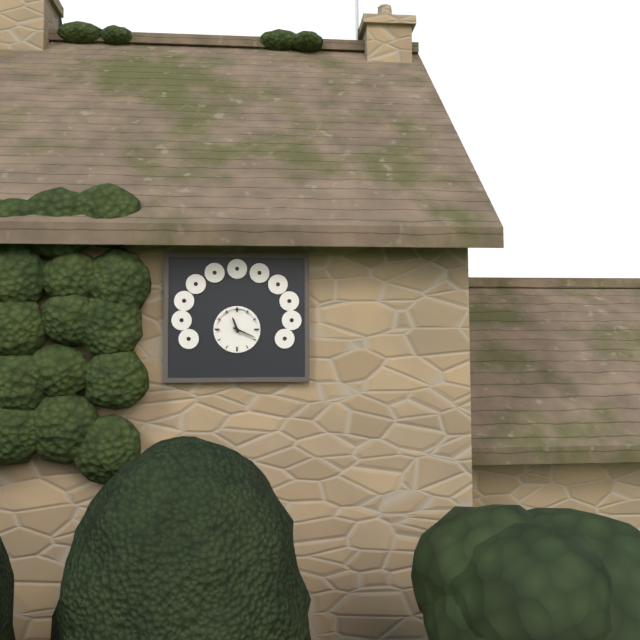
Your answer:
11 h 19 min
